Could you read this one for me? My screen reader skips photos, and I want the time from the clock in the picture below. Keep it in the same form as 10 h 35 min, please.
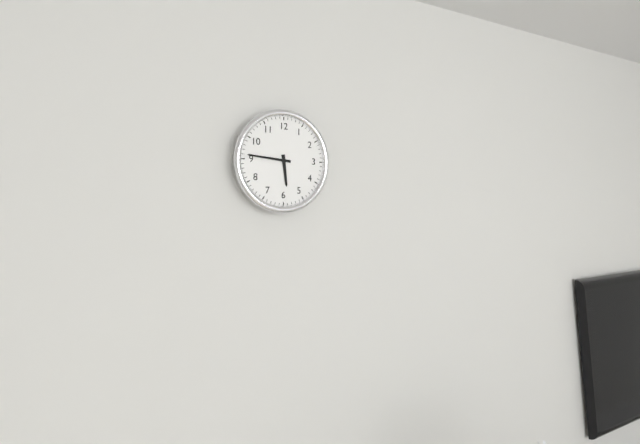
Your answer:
5 h 46 min
